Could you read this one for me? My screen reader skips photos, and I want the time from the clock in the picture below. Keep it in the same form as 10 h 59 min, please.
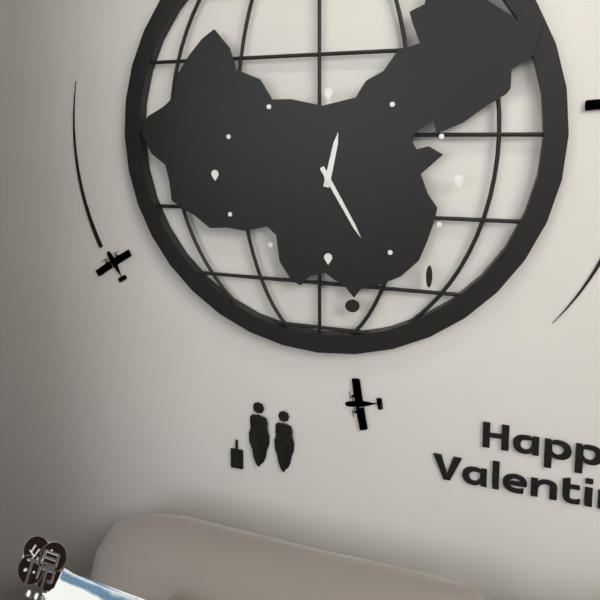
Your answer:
12 h 25 min
